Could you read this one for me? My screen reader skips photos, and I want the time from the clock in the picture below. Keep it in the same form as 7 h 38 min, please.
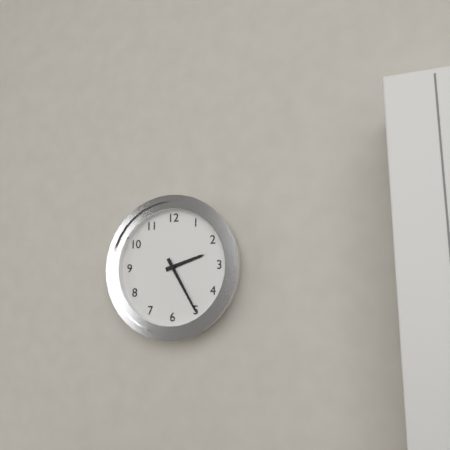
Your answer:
2 h 25 min
